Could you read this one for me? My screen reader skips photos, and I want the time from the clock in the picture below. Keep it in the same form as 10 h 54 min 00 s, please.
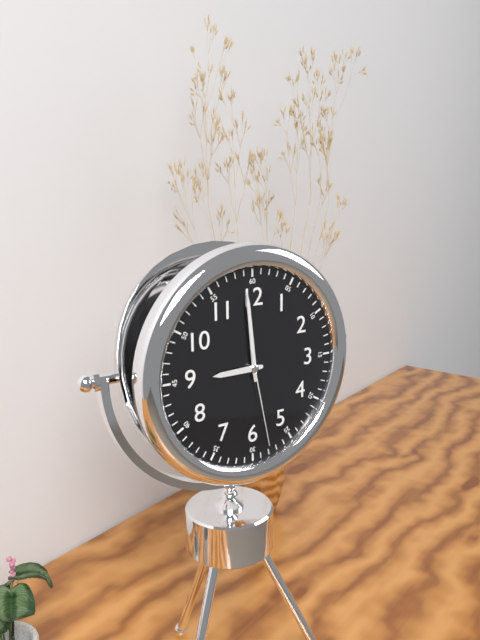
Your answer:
8 h 59 min 28 s
